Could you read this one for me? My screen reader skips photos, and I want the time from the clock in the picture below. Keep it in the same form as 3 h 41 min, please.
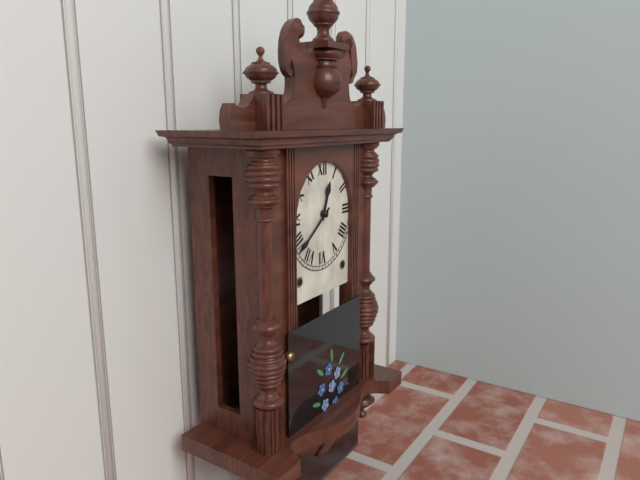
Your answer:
12 h 39 min
